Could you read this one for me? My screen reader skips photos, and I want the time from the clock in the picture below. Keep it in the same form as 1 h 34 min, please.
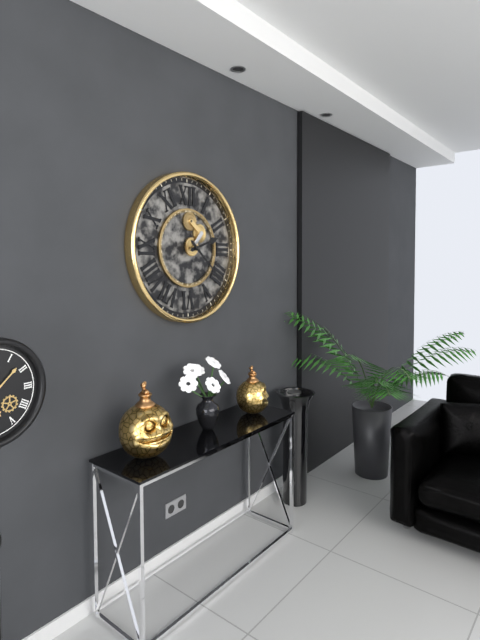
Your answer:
2 h 22 min
